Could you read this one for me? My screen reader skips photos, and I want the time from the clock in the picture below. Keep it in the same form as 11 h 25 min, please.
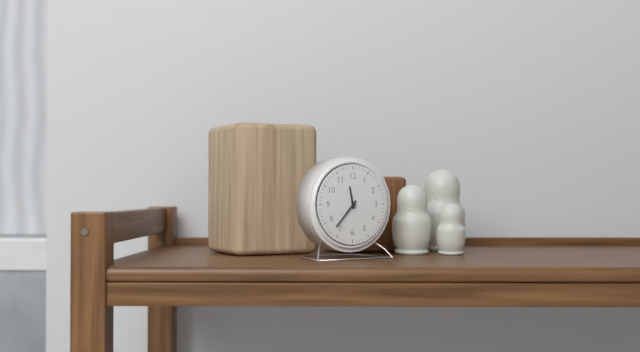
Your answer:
11 h 37 min
